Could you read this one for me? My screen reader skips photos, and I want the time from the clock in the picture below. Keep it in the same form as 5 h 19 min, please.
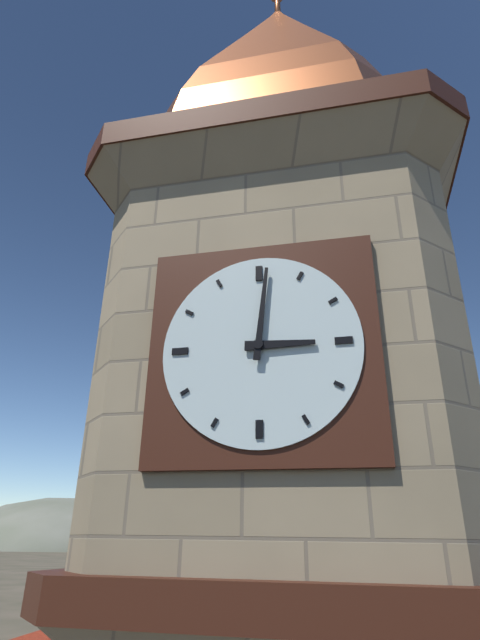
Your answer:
3 h 01 min
